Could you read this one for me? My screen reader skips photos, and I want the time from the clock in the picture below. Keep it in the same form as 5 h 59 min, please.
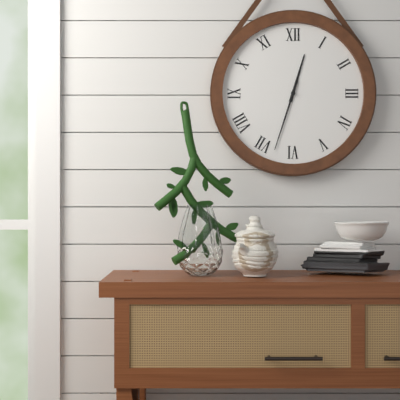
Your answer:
12 h 33 min
